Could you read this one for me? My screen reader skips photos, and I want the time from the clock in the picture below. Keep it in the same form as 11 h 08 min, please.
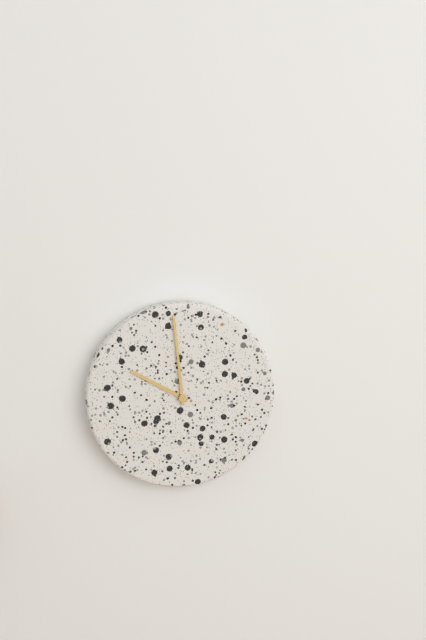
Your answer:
9 h 59 min
